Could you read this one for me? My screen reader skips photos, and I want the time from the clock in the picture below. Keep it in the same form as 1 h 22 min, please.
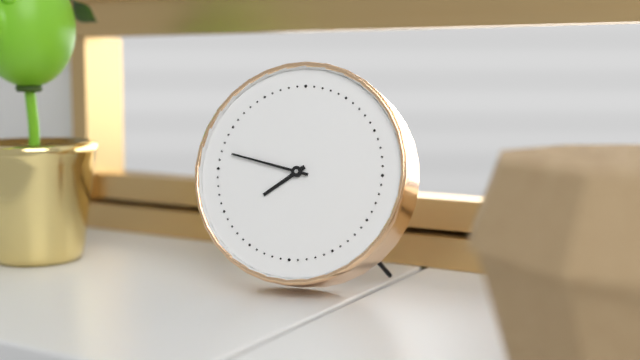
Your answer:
7 h 47 min
